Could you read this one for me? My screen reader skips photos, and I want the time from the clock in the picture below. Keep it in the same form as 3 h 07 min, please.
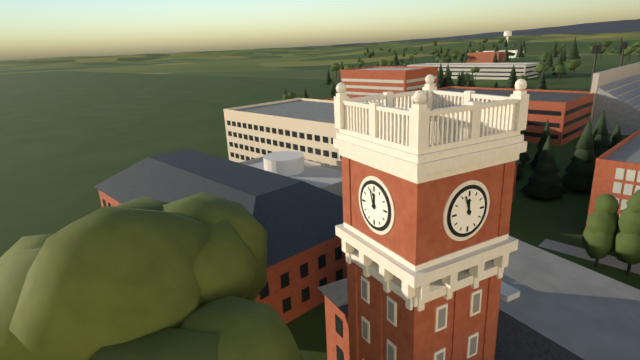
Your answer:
11 h 57 min
